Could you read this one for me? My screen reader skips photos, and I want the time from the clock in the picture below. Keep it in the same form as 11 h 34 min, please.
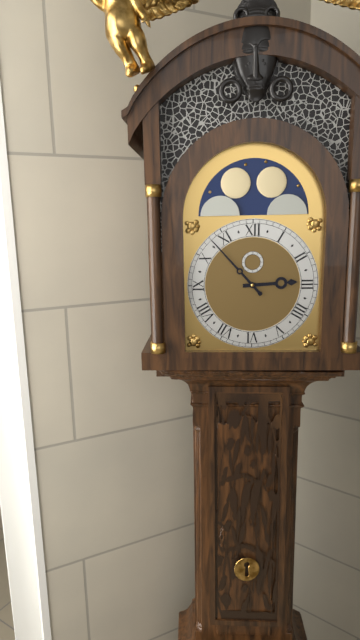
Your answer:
2 h 53 min
